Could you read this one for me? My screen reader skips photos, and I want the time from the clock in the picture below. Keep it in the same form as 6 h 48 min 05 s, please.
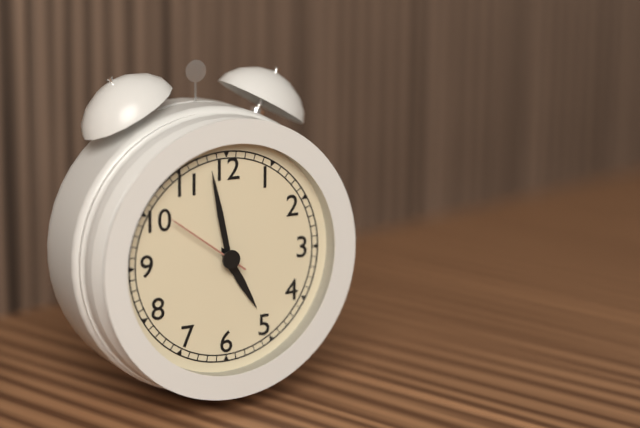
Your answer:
4 h 58 min 51 s
